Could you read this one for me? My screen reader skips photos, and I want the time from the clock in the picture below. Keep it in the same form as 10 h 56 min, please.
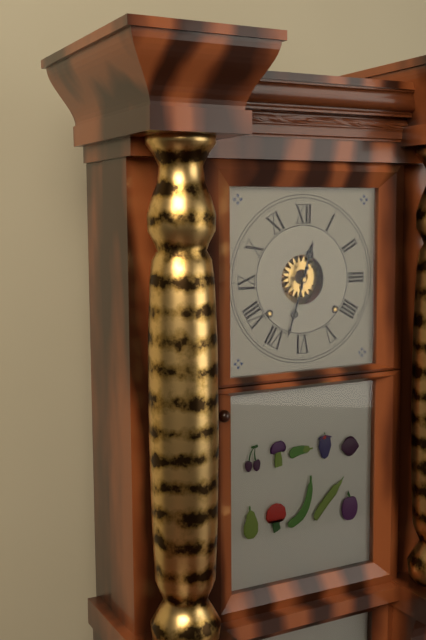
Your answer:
12 h 33 min
